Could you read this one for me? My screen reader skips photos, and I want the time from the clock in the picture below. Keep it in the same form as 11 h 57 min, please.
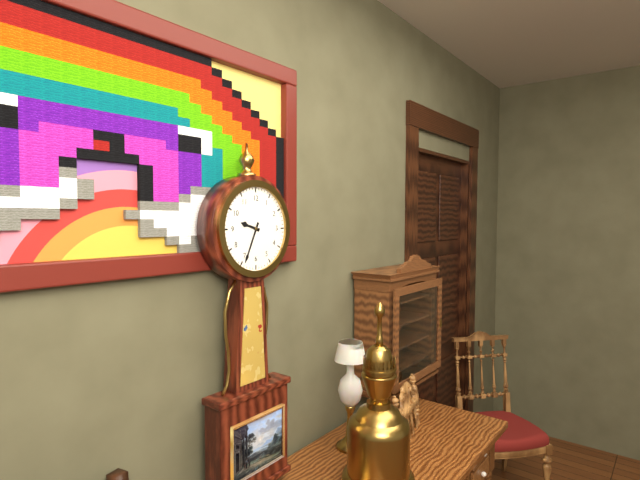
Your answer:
9 h 34 min
